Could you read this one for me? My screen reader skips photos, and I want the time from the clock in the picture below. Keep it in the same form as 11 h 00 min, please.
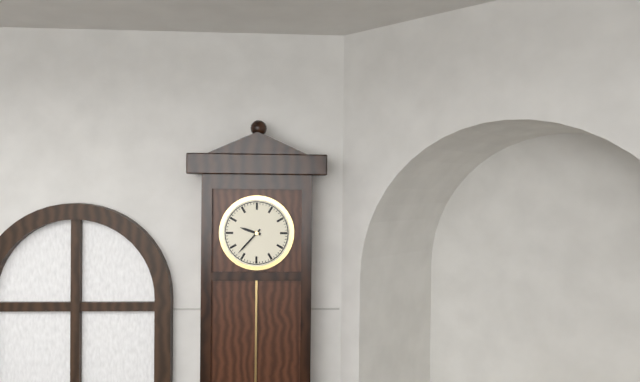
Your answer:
9 h 37 min
